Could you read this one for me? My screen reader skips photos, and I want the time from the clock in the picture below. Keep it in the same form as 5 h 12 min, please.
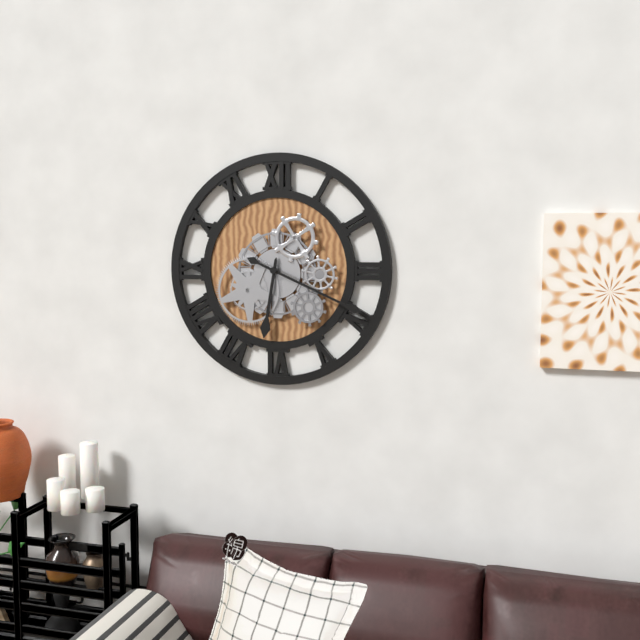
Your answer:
6 h 19 min
